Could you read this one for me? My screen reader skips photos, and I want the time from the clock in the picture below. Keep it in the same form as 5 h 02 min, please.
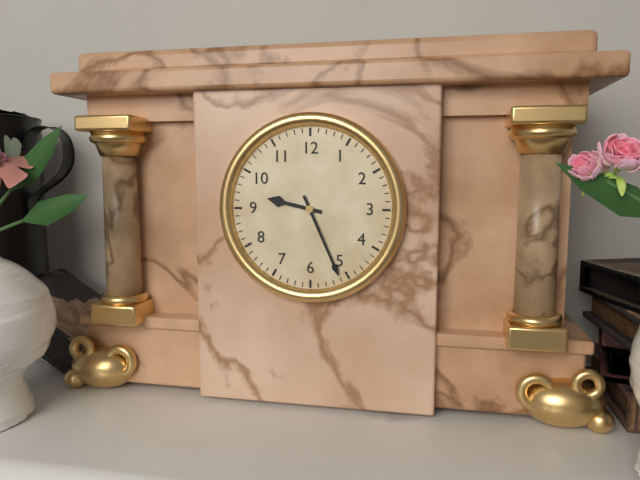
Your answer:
9 h 26 min
